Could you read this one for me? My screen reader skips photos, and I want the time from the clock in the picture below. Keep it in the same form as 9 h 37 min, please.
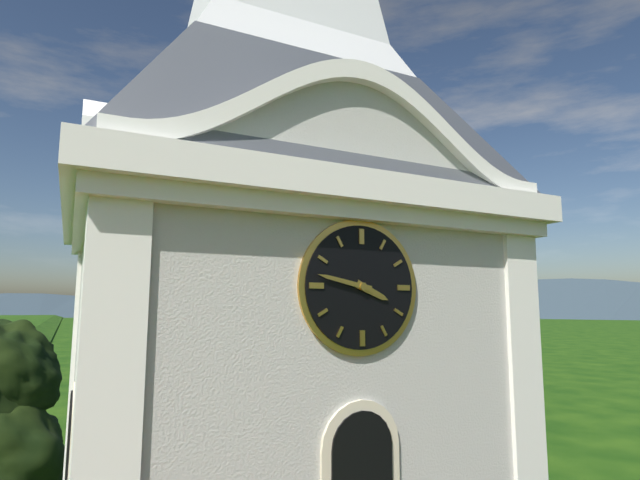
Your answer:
3 h 47 min
